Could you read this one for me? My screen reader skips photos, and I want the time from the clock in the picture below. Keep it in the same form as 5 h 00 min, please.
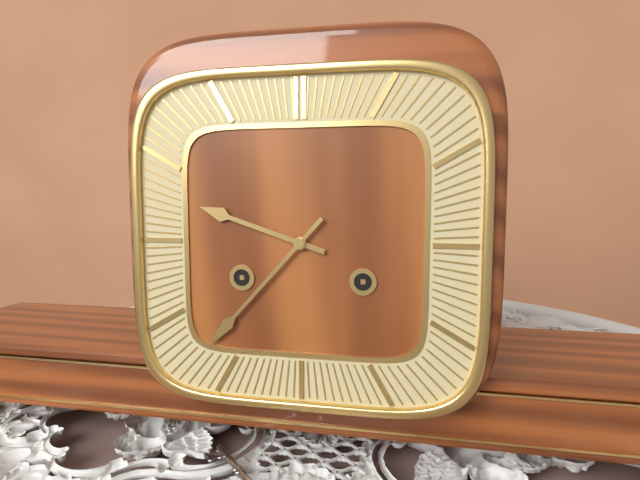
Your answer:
9 h 37 min
